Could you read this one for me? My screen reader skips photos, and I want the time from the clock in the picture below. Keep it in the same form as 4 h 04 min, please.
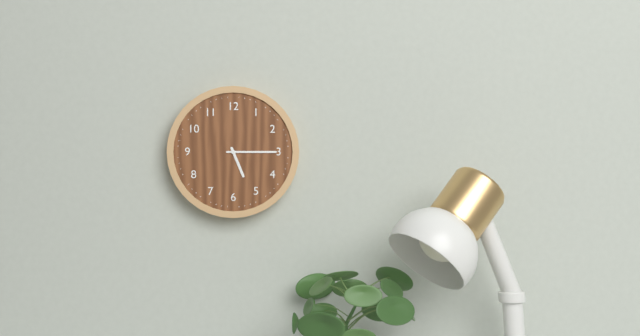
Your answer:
5 h 15 min
